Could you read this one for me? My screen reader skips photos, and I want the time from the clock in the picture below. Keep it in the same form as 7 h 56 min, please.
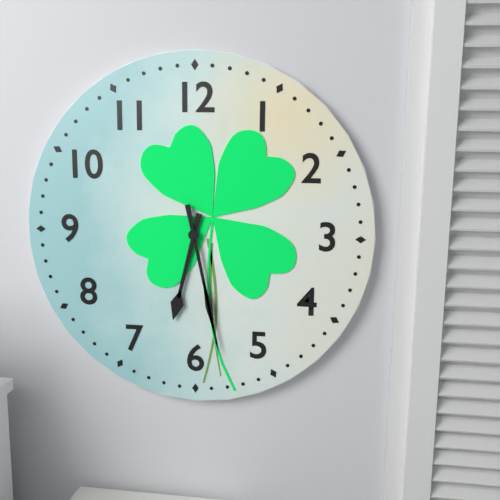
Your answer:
6 h 28 min
